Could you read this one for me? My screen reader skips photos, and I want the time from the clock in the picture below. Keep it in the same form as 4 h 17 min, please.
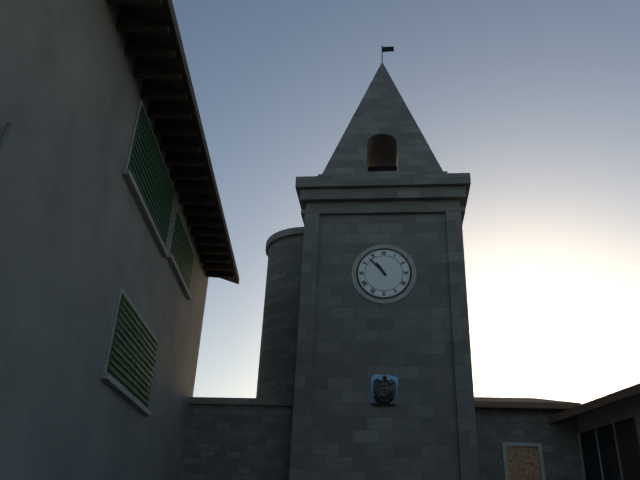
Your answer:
10 h 53 min
